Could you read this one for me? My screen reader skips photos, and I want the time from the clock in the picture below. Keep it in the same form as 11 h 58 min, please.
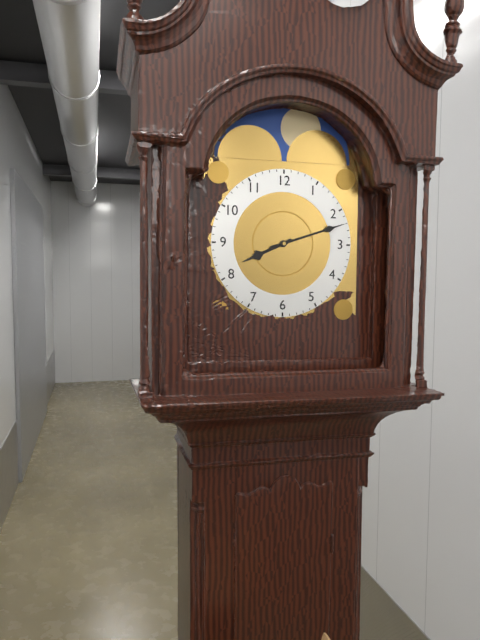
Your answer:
8 h 12 min
